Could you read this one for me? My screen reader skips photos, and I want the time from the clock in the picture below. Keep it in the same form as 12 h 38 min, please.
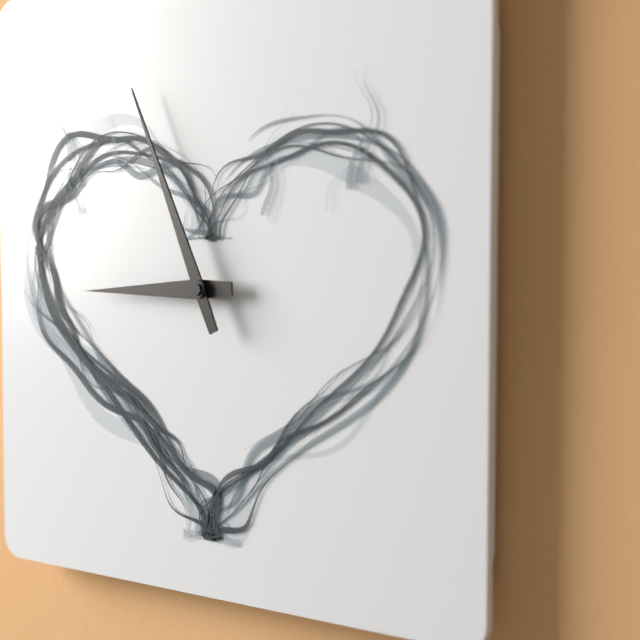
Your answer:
8 h 56 min
